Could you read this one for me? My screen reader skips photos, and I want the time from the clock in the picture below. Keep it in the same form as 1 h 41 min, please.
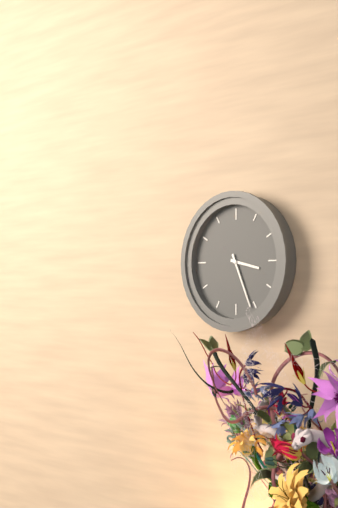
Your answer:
3 h 26 min
